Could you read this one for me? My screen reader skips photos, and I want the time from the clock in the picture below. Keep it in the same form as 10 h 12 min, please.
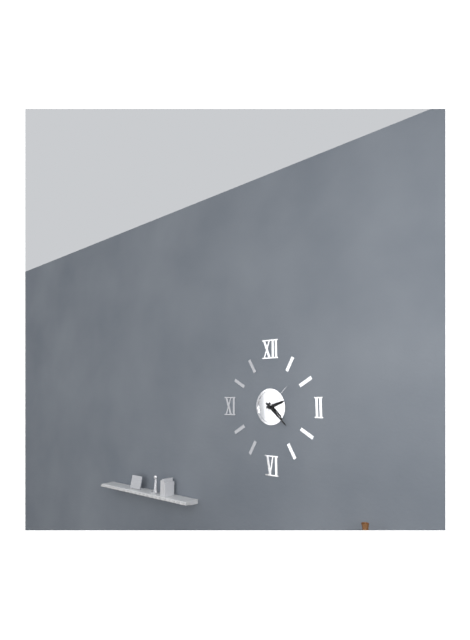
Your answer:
2 h 22 min
